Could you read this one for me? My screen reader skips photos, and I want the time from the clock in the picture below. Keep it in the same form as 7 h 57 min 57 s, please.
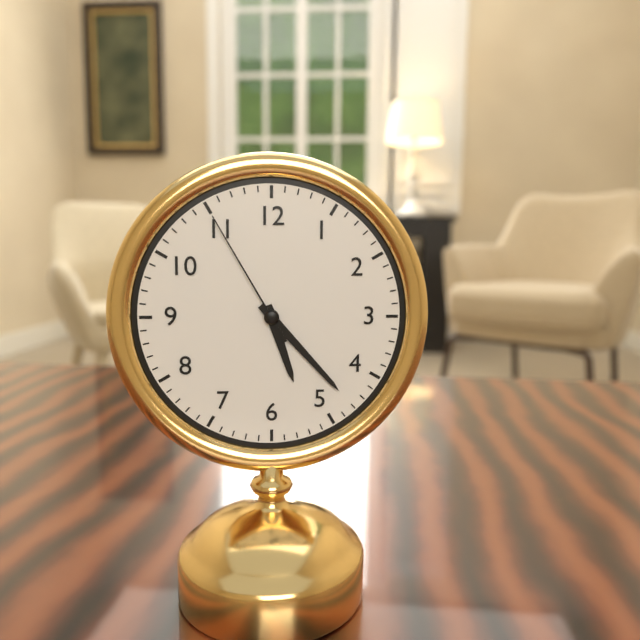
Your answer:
5 h 23 min 55 s
